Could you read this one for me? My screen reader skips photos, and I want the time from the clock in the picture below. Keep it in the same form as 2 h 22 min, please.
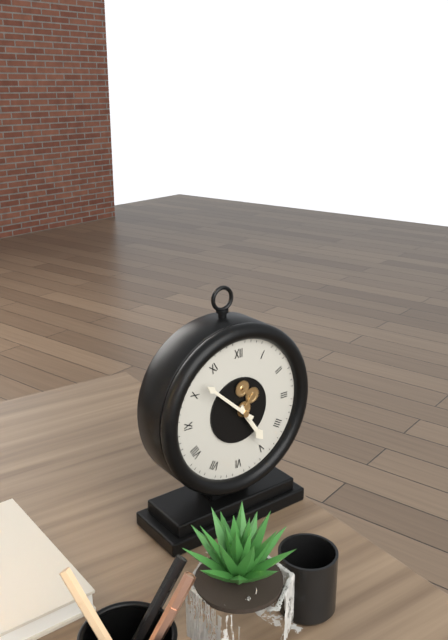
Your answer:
4 h 52 min
